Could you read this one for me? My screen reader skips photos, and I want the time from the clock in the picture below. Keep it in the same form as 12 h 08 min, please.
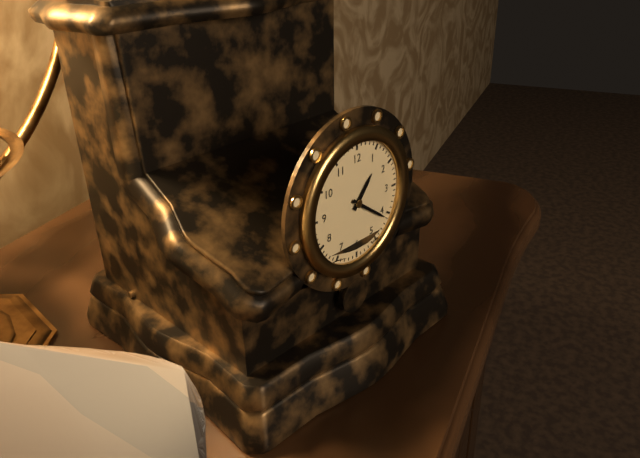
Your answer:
1 h 21 min
